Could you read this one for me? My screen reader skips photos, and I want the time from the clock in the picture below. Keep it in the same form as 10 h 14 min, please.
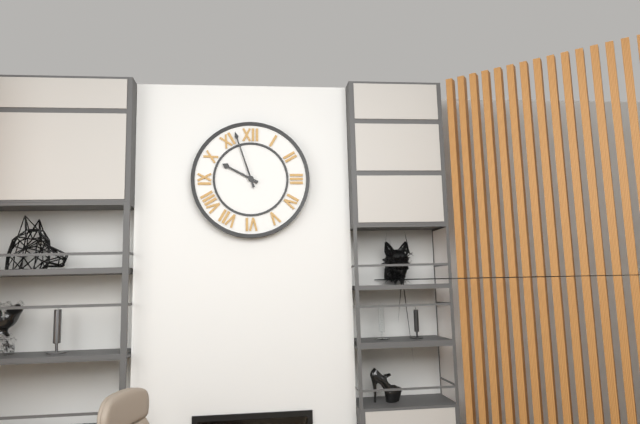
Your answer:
9 h 57 min
